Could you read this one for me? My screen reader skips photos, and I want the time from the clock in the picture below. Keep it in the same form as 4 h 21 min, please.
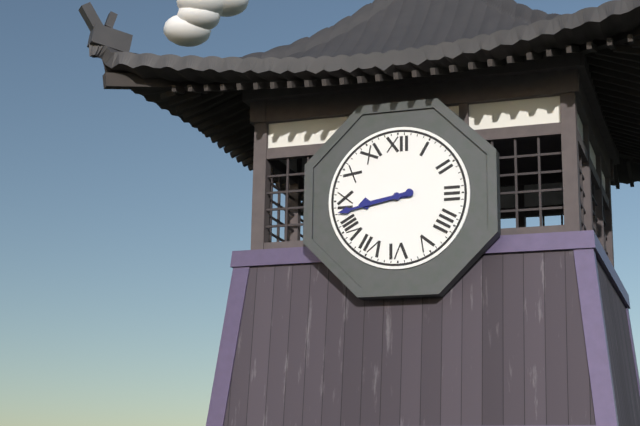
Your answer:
8 h 43 min
